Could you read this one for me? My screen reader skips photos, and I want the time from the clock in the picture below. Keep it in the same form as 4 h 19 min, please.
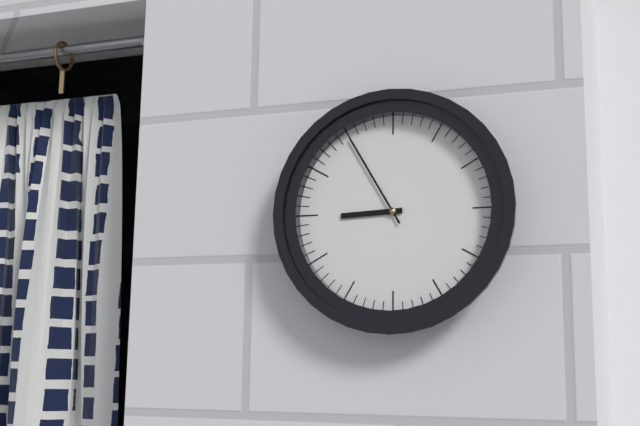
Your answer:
8 h 55 min
